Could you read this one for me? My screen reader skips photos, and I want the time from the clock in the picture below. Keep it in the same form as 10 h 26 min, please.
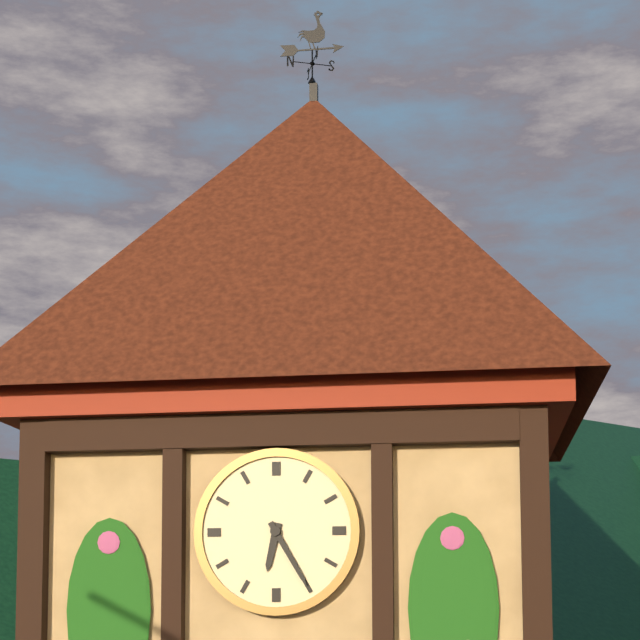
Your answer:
6 h 25 min
